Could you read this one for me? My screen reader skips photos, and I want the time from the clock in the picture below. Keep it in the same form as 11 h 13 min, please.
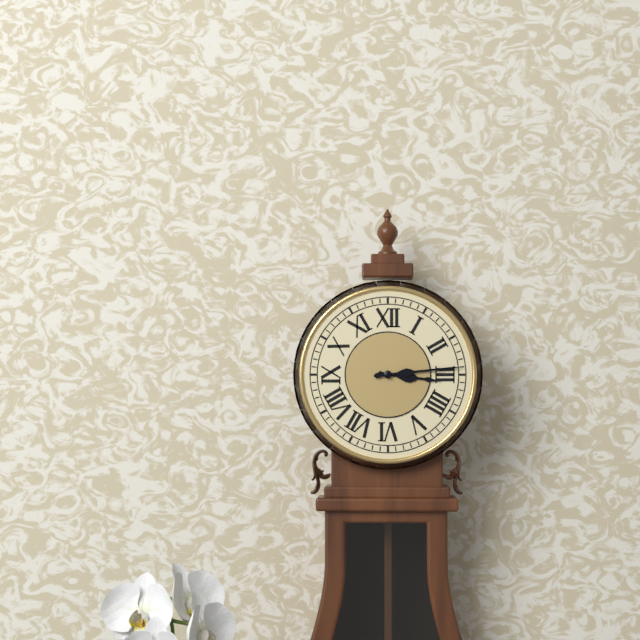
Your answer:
3 h 14 min
